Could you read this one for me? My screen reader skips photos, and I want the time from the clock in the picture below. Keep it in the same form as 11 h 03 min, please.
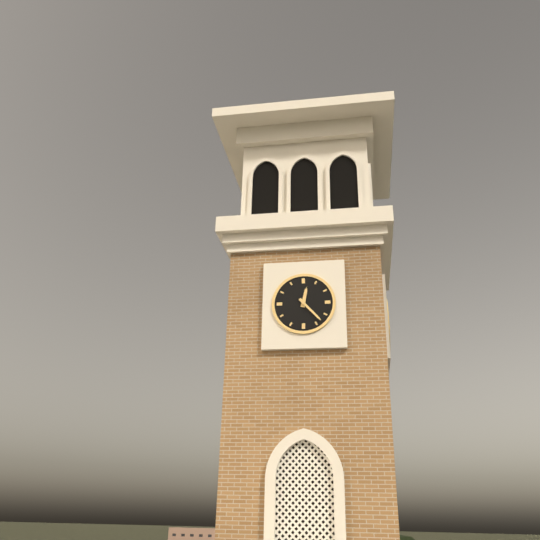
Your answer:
12 h 23 min
